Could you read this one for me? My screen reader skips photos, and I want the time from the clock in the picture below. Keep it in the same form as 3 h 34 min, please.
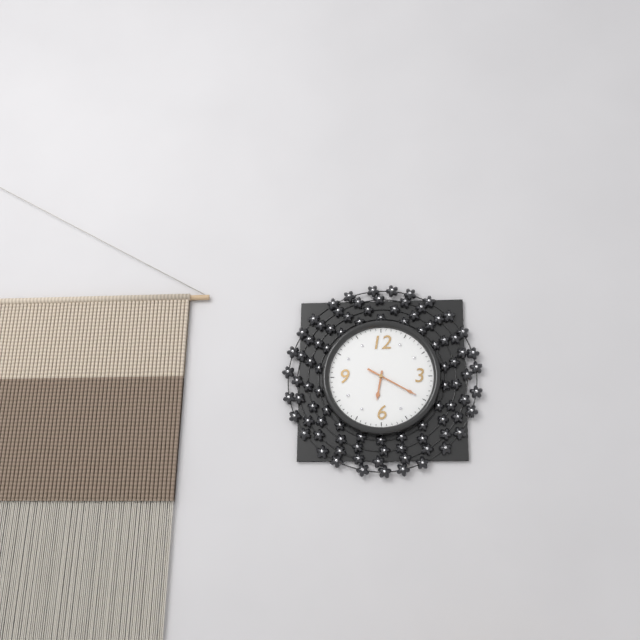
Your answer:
6 h 20 min
